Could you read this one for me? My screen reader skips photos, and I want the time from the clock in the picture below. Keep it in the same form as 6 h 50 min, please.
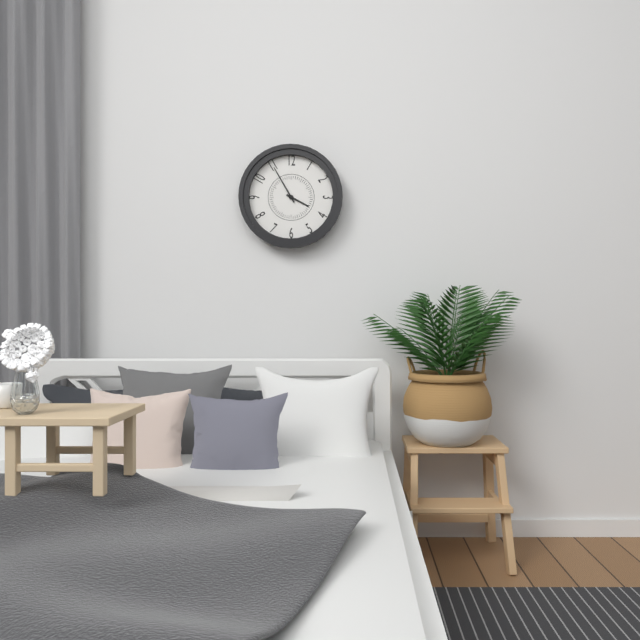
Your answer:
3 h 55 min
